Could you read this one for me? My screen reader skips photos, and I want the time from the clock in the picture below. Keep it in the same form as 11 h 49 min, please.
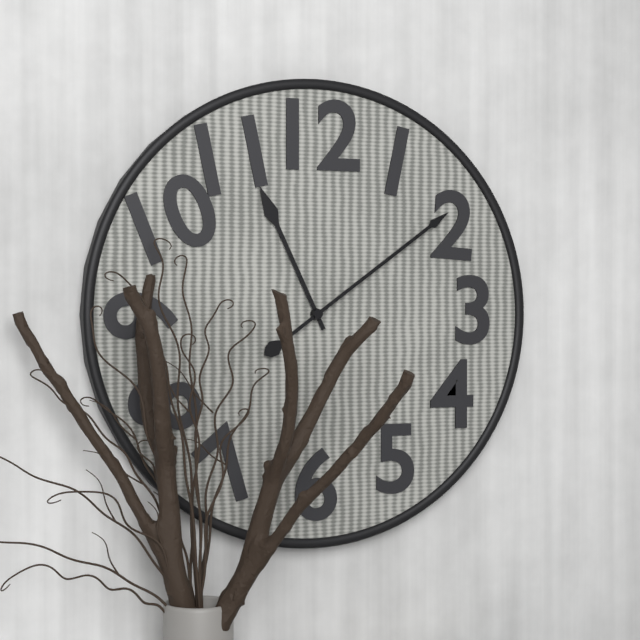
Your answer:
11 h 09 min
